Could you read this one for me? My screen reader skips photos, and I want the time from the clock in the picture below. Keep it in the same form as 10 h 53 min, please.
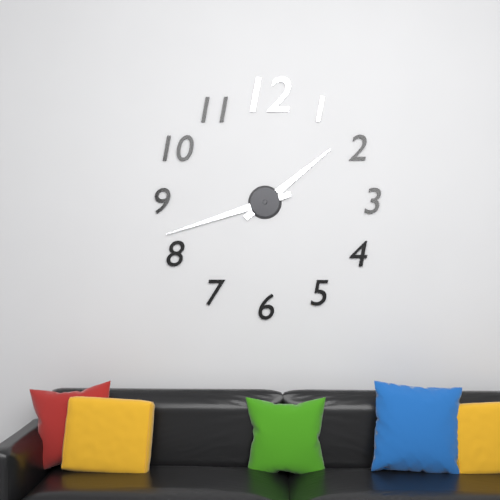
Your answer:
1 h 42 min
